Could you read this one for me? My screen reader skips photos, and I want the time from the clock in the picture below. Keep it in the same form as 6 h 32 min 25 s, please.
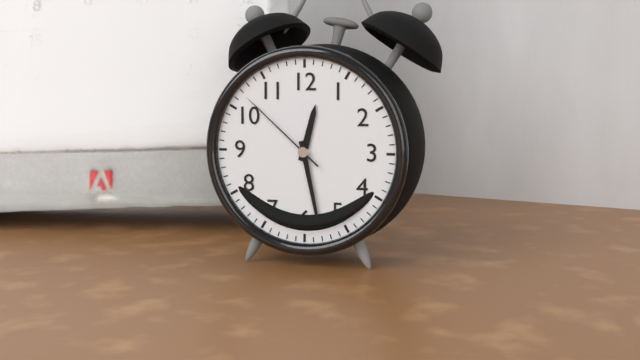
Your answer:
12 h 28 min 52 s
